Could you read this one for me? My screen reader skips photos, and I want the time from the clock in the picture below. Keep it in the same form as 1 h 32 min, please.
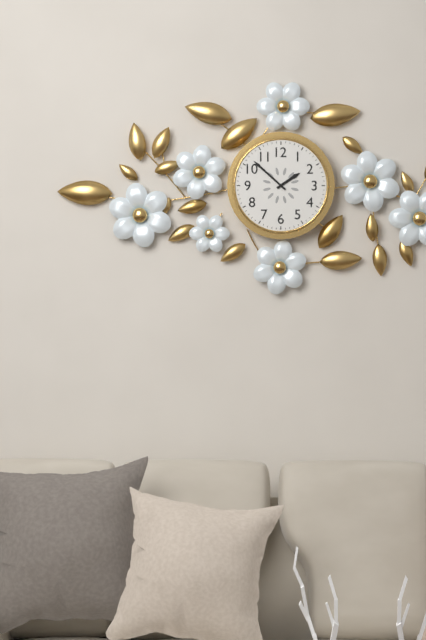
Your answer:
1 h 52 min
